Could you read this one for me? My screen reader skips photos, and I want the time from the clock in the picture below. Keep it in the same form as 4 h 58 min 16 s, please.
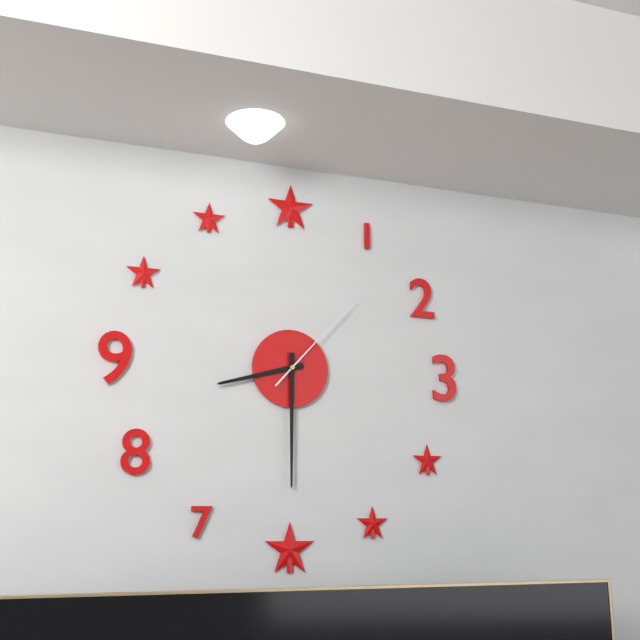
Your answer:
8 h 30 min 07 s
